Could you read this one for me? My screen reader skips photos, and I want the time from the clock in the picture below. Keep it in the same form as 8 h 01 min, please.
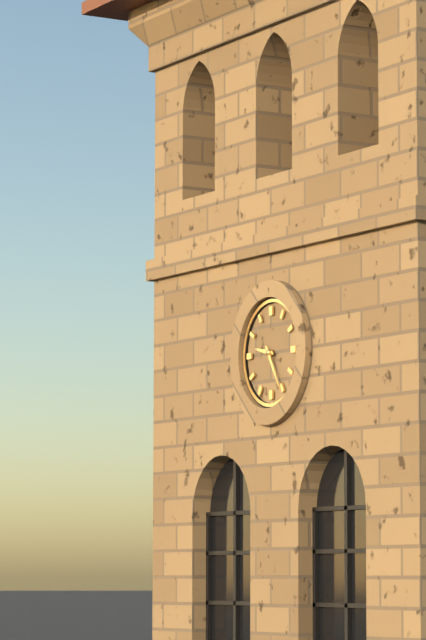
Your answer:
9 h 25 min
